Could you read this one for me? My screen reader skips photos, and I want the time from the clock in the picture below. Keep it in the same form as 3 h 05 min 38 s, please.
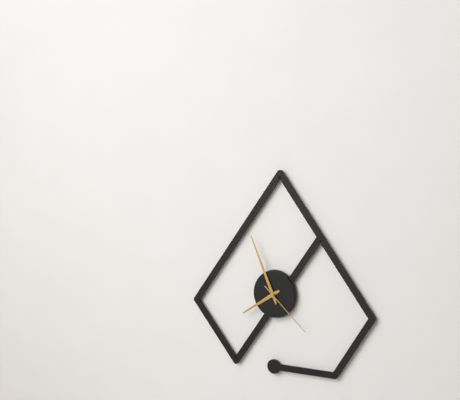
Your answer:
7 h 56 min 22 s
